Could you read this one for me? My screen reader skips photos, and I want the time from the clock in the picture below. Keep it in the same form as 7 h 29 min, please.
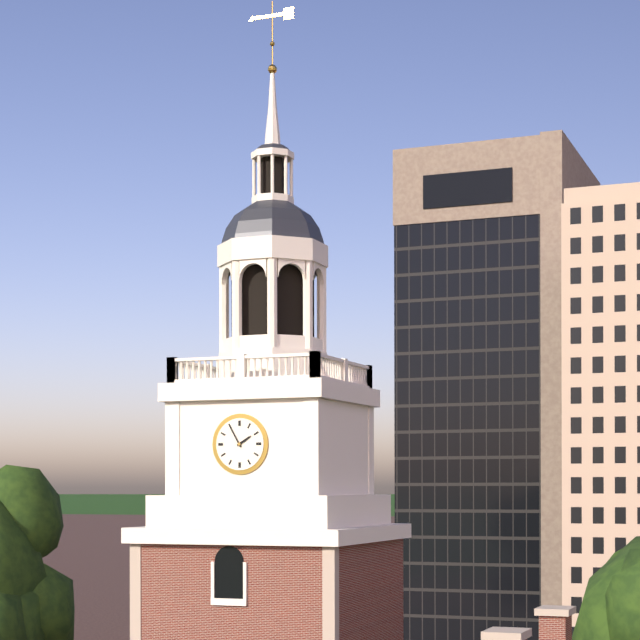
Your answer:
1 h 55 min
